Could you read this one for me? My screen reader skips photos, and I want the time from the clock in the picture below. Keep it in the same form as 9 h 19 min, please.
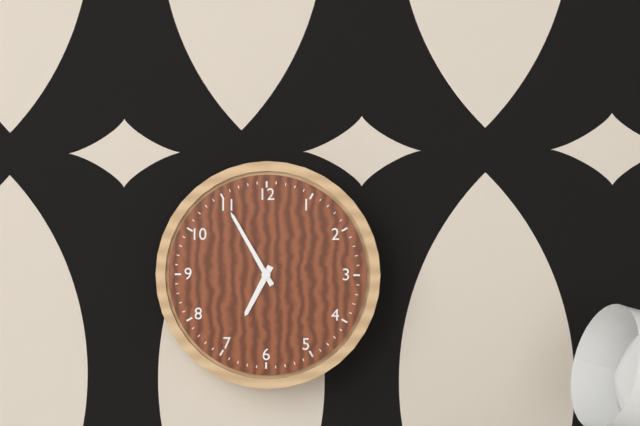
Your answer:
6 h 55 min
